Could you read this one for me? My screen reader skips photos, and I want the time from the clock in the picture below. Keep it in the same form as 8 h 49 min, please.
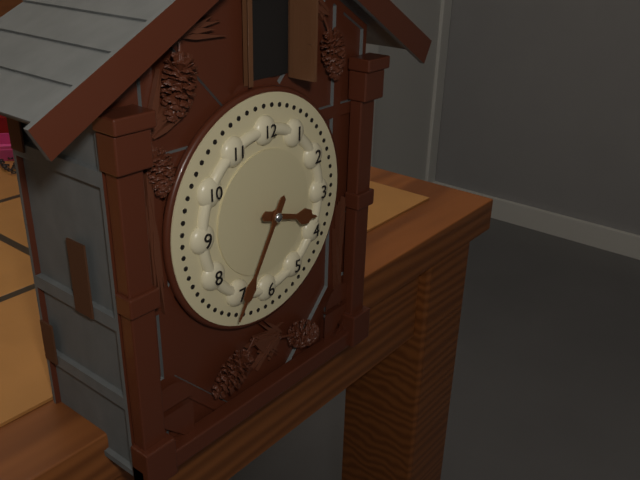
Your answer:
3 h 35 min
